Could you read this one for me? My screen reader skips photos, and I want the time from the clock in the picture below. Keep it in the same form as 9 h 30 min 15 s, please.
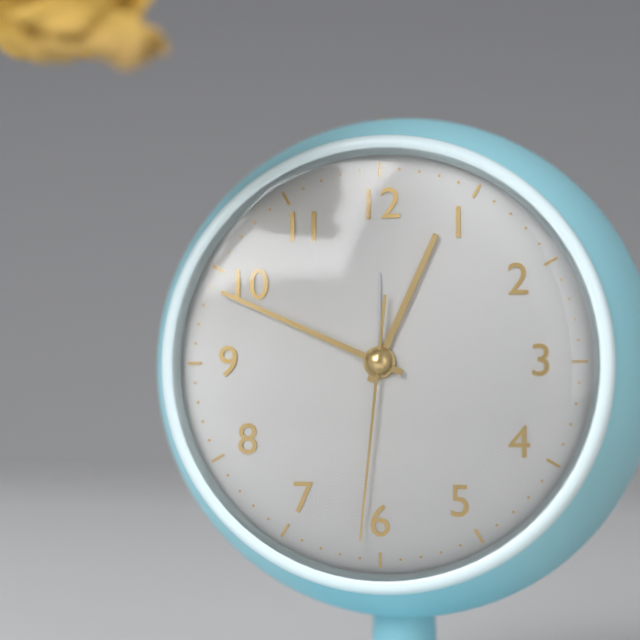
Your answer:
12 h 49 min 31 s
